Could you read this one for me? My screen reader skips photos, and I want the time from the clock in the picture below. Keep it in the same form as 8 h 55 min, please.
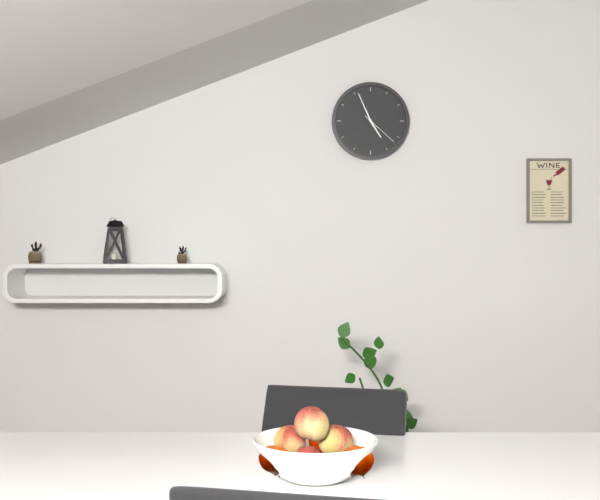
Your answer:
4 h 56 min
